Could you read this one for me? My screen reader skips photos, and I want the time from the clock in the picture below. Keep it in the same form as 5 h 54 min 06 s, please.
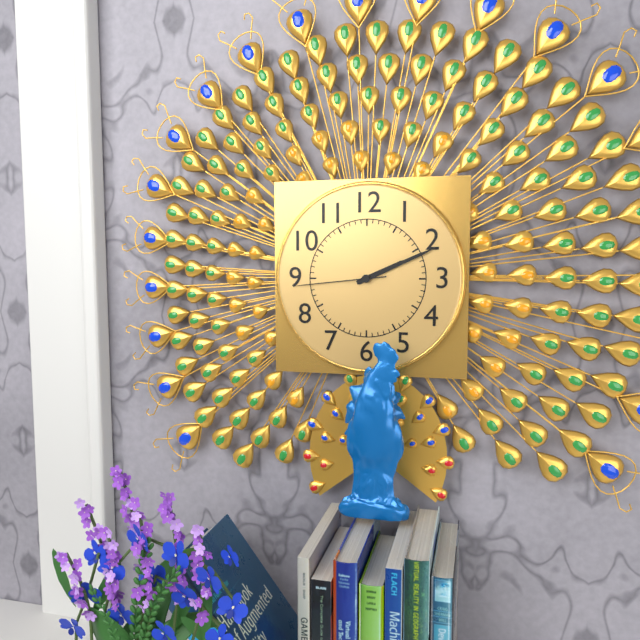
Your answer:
2 h 11 min 44 s
